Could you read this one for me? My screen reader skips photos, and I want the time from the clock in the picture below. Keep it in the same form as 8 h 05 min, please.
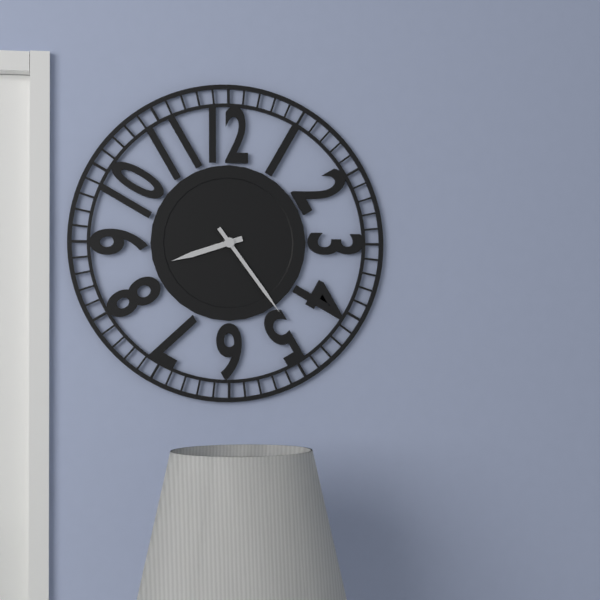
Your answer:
8 h 24 min
